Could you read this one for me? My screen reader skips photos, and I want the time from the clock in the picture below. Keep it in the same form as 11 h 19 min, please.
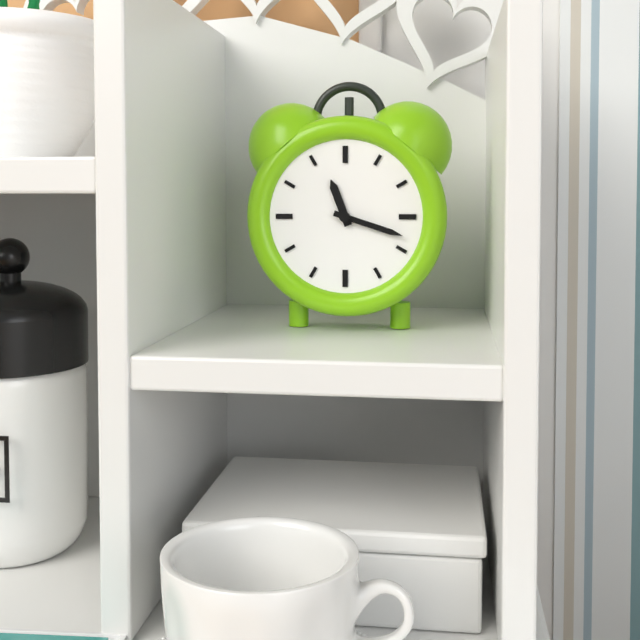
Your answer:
11 h 18 min
